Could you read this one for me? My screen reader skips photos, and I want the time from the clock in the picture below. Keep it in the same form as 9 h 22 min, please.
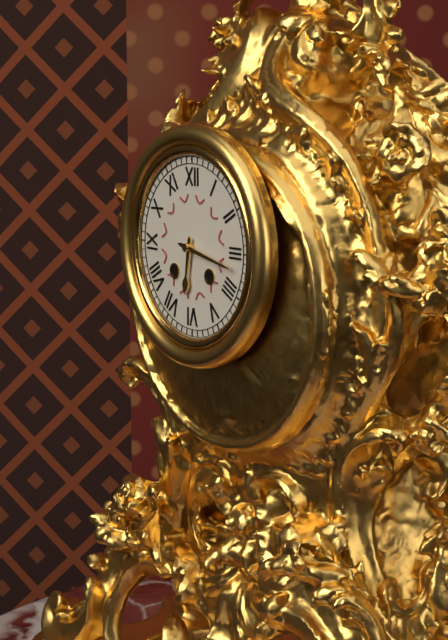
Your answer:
6 h 17 min
